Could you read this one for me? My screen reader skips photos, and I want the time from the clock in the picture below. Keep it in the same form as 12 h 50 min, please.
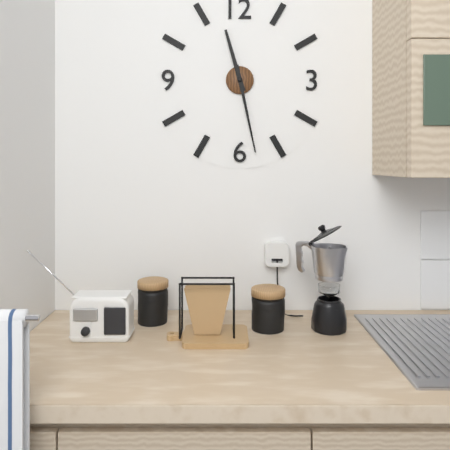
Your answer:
11 h 28 min
